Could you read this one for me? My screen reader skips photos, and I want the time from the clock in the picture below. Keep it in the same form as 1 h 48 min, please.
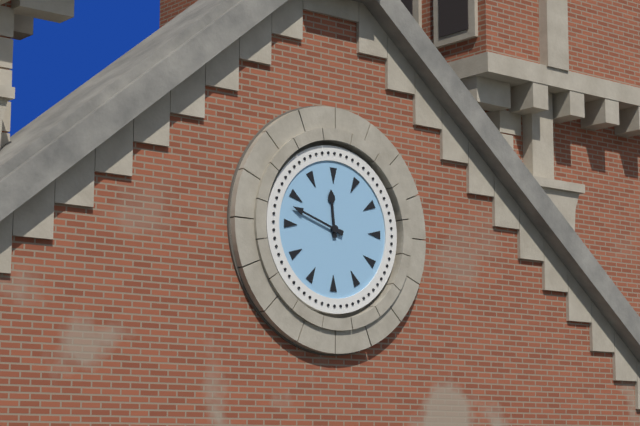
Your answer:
11 h 48 min
